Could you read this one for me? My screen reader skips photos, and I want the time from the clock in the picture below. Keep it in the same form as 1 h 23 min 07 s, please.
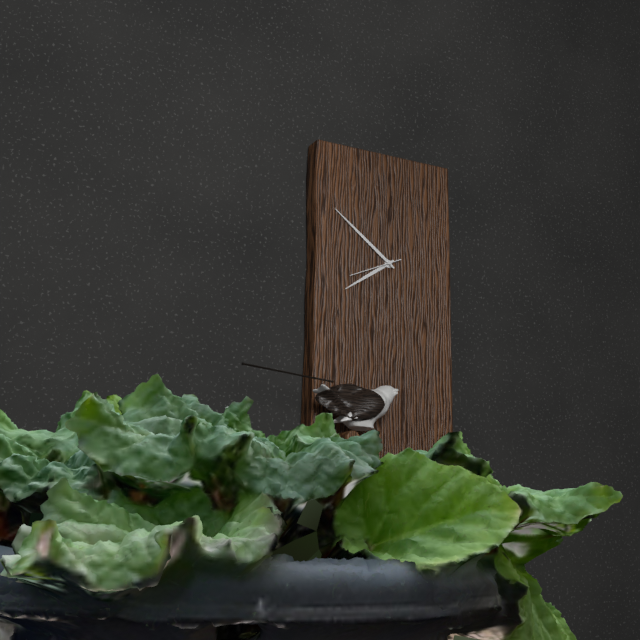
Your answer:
7 h 51 min 41 s
